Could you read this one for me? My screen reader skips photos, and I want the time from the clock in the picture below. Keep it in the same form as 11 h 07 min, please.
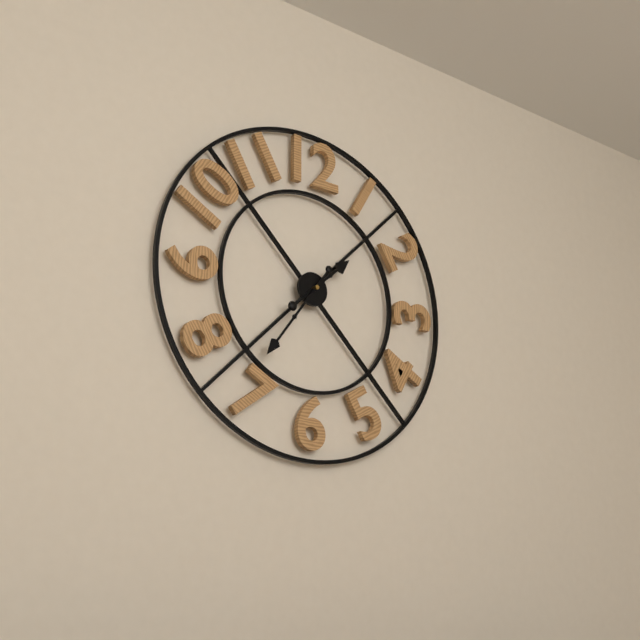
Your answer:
1 h 36 min
